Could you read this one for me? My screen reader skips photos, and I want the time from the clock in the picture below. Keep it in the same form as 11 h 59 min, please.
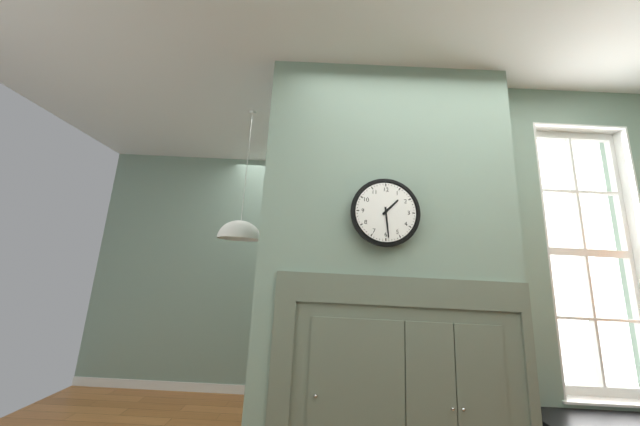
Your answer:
1 h 29 min
